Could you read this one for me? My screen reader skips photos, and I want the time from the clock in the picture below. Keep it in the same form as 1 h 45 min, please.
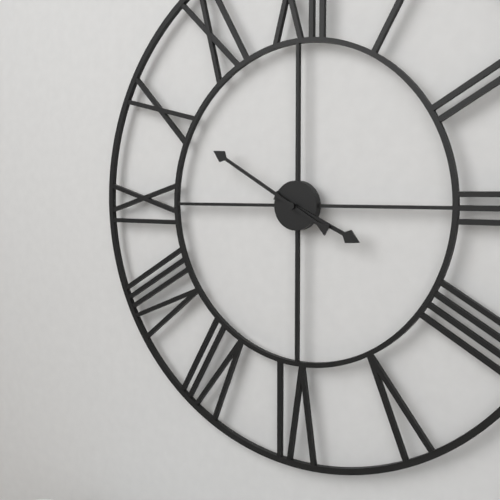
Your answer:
3 h 50 min
